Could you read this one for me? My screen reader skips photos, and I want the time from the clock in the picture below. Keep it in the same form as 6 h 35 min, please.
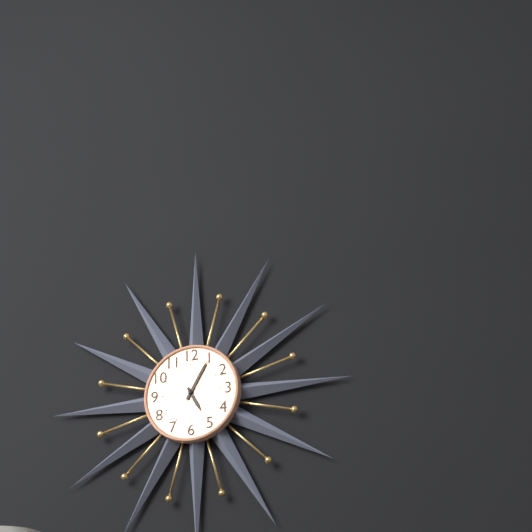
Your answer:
5 h 05 min
